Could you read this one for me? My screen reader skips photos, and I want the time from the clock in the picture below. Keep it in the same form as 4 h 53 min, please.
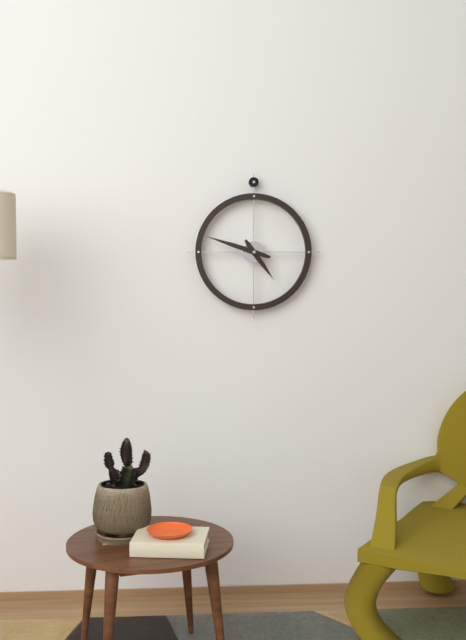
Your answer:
4 h 48 min
